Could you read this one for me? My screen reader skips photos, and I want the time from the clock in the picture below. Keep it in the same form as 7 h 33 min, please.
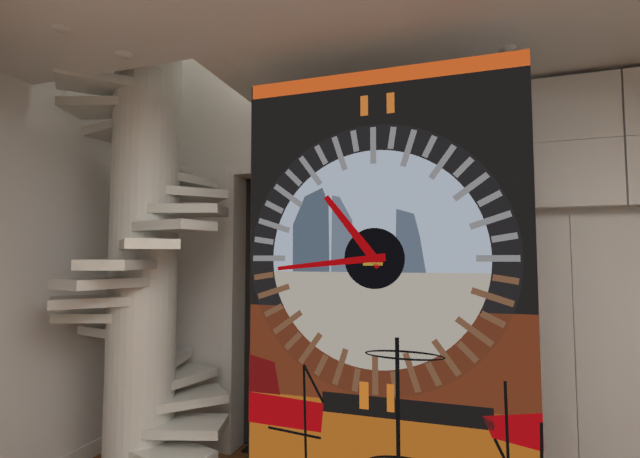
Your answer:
10 h 44 min
